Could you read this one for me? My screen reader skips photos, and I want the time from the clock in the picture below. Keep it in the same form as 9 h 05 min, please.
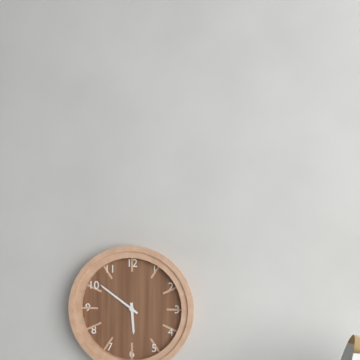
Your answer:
5 h 51 min
